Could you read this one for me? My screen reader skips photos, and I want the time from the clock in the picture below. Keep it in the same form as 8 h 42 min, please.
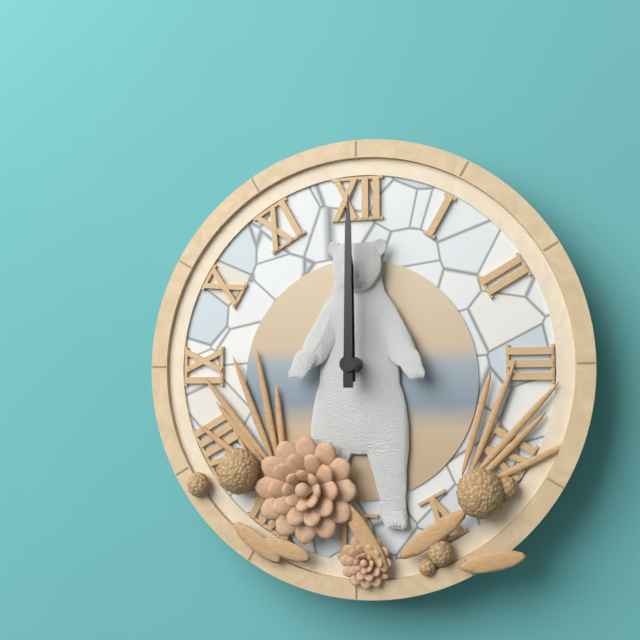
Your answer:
12 h 00 min
